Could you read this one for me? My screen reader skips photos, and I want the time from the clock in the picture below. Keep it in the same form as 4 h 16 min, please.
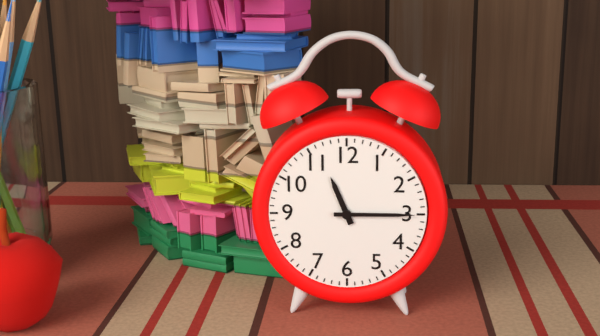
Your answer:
11 h 15 min
